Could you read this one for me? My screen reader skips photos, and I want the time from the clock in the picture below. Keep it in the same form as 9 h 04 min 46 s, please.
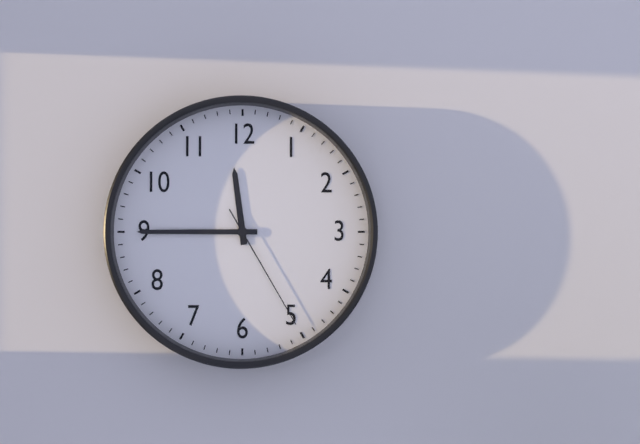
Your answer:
11 h 45 min 25 s
